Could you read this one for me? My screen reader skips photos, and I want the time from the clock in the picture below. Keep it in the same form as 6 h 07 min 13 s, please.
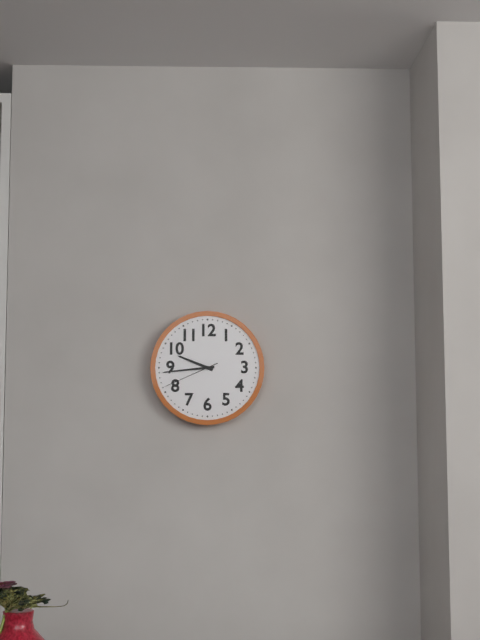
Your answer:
9 h 44 min 41 s
